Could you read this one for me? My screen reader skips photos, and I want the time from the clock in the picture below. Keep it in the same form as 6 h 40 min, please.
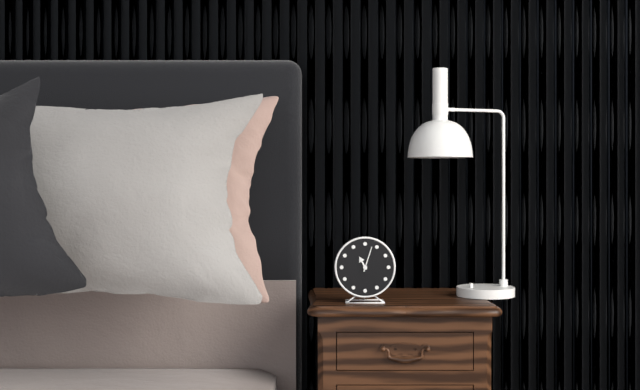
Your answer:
11 h 03 min
